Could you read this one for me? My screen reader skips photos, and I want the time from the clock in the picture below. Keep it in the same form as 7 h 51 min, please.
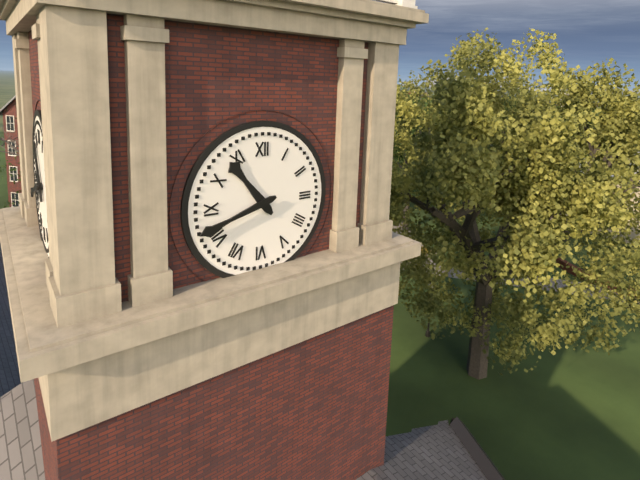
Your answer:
10 h 42 min
